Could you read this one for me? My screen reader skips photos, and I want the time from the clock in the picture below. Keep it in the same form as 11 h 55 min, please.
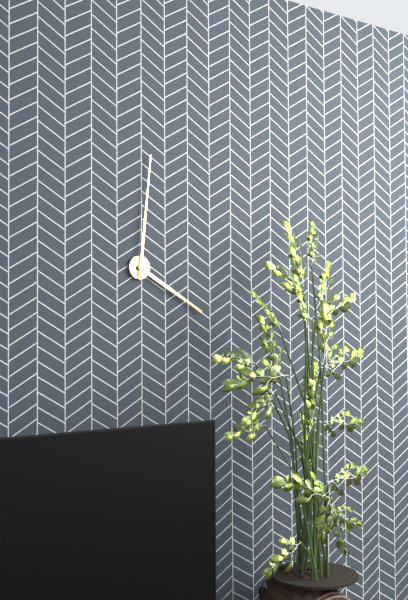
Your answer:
4 h 01 min
